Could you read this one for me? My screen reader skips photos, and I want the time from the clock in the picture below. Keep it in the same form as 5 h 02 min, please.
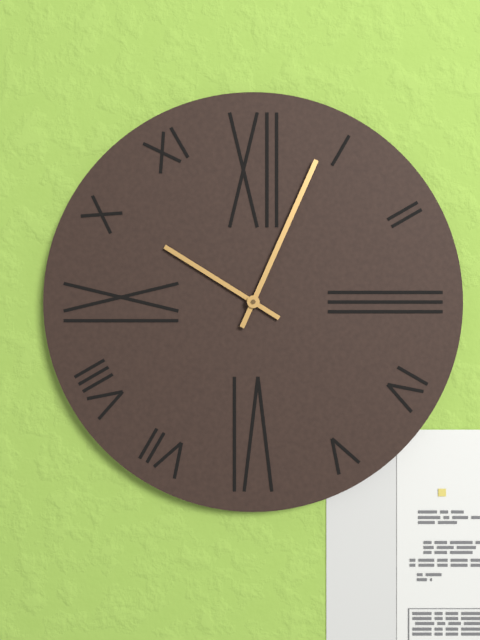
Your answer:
10 h 04 min
